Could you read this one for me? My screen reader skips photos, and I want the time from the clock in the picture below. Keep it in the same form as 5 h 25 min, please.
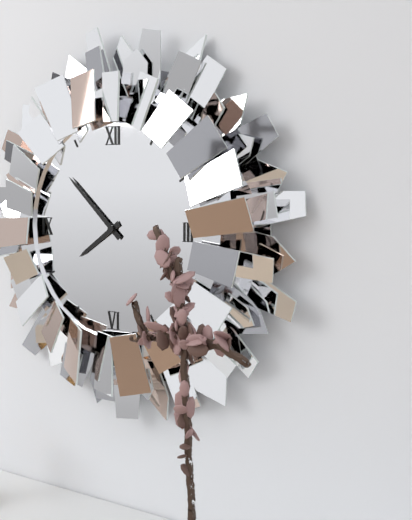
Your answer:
7 h 52 min
